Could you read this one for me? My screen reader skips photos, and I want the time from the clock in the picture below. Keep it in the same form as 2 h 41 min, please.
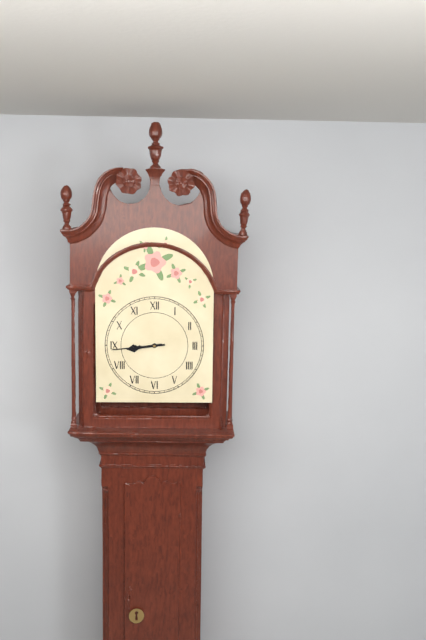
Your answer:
8 h 44 min
